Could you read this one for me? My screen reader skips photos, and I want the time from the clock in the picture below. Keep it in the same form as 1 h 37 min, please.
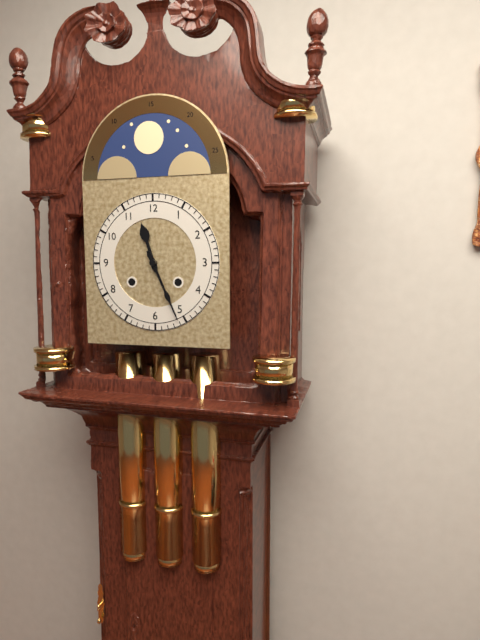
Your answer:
11 h 26 min
